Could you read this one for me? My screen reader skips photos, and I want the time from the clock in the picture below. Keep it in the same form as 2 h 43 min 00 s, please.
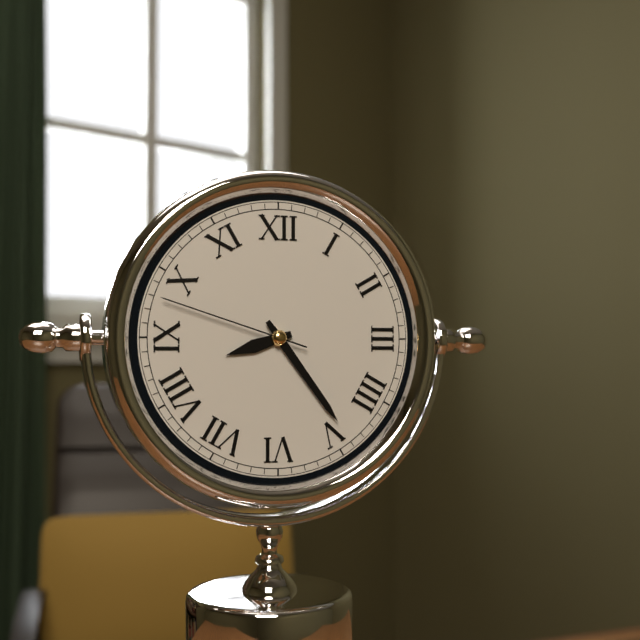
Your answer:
8 h 24 min 48 s
